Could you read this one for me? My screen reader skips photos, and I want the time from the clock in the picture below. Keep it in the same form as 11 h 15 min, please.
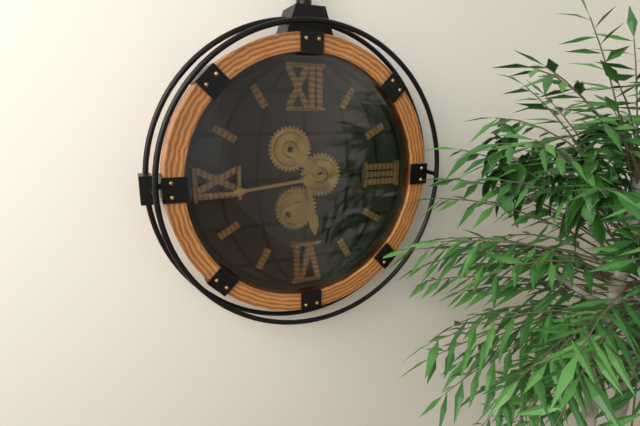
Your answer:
5 h 44 min
